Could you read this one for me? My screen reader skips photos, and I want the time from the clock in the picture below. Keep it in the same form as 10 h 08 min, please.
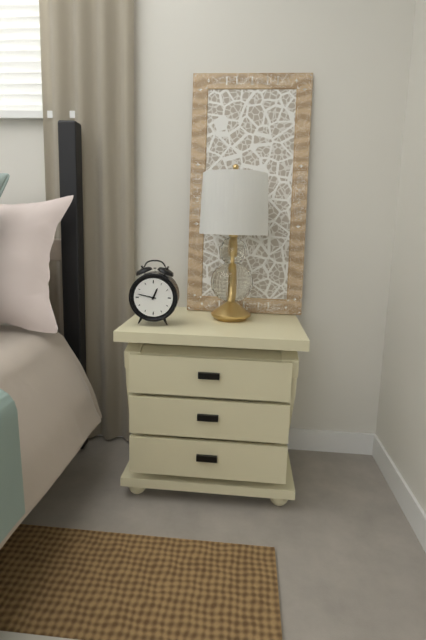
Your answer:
12 h 47 min
